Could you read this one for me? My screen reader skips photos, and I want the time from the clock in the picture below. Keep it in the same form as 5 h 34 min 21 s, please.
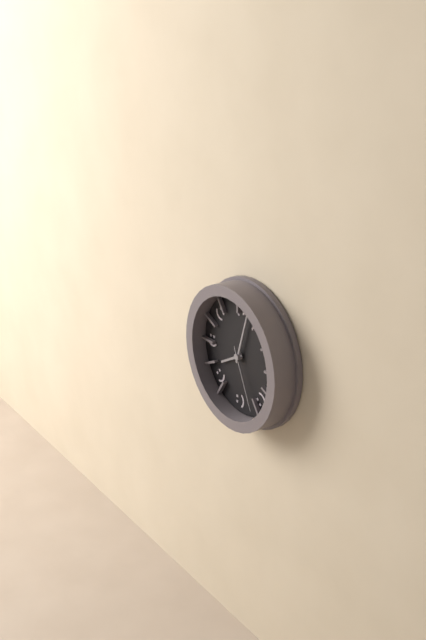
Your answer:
8 h 03 min 26 s
